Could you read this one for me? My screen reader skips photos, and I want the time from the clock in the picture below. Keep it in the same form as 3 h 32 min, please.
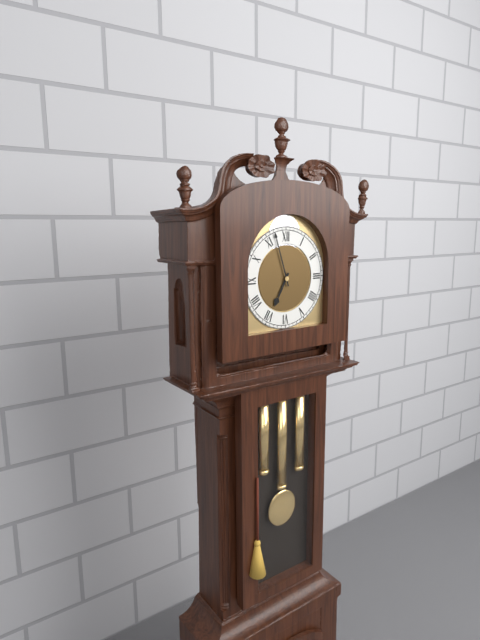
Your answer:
6 h 57 min
